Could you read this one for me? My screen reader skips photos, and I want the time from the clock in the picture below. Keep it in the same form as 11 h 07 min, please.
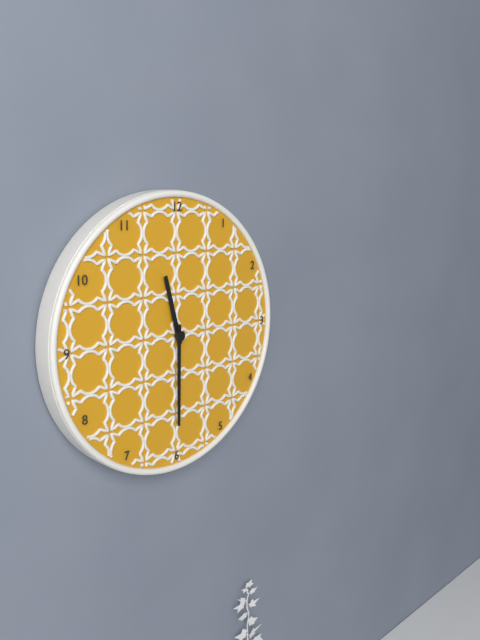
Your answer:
11 h 30 min
